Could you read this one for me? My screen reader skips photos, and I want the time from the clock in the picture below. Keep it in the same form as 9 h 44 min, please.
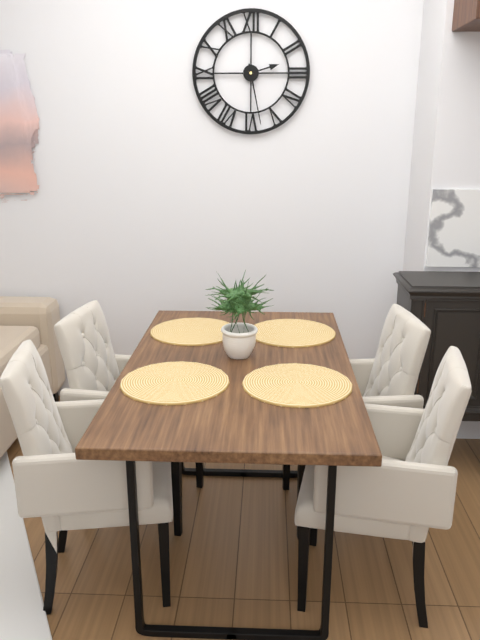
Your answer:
2 h 28 min
